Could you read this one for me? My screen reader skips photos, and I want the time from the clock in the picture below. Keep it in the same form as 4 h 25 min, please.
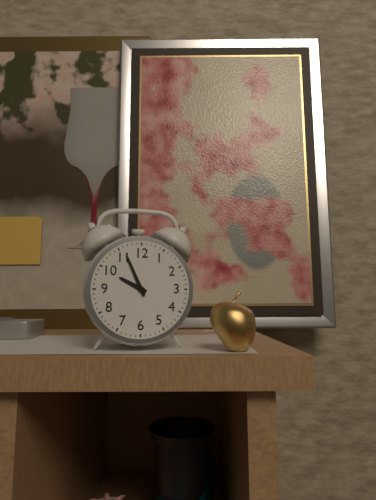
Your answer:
9 h 56 min
